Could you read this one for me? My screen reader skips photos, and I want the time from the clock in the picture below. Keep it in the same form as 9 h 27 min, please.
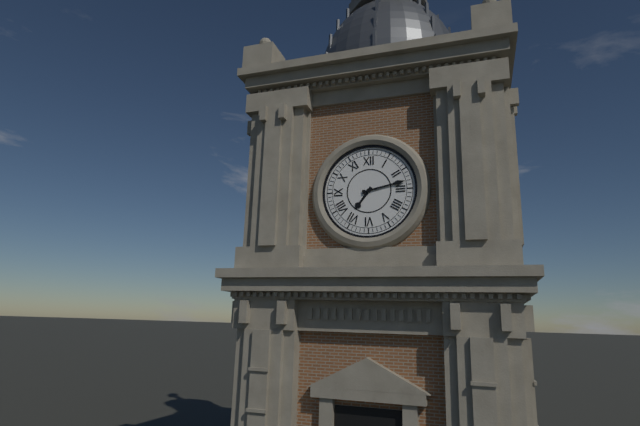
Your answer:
7 h 13 min
